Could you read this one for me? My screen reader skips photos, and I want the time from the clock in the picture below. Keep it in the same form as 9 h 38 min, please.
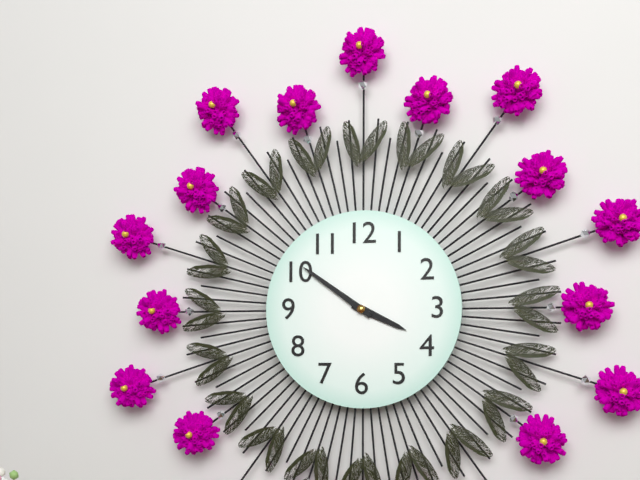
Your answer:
3 h 51 min
